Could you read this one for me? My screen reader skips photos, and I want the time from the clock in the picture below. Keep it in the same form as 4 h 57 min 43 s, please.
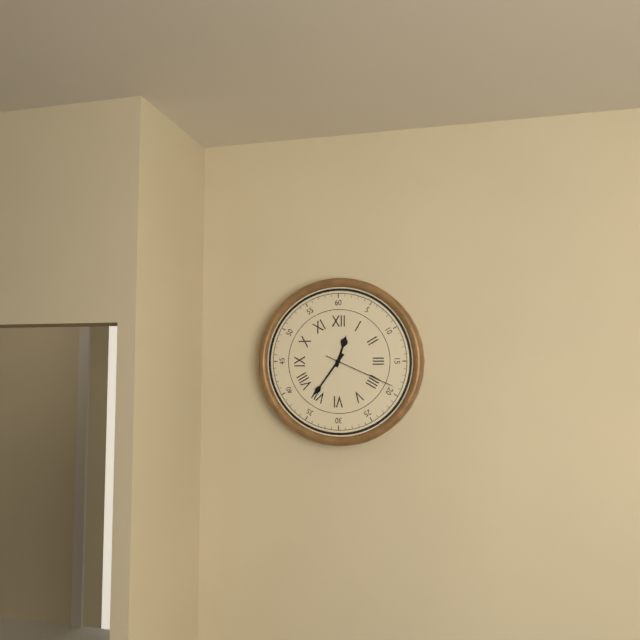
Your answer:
12 h 36 min 19 s
